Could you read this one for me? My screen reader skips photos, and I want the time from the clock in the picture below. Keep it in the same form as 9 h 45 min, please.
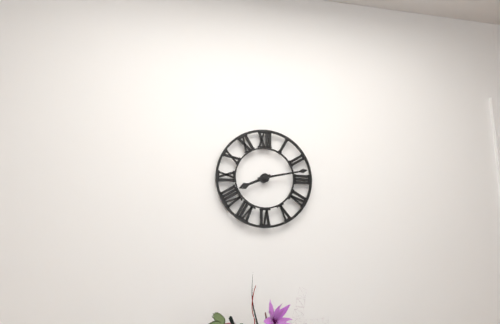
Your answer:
8 h 13 min
